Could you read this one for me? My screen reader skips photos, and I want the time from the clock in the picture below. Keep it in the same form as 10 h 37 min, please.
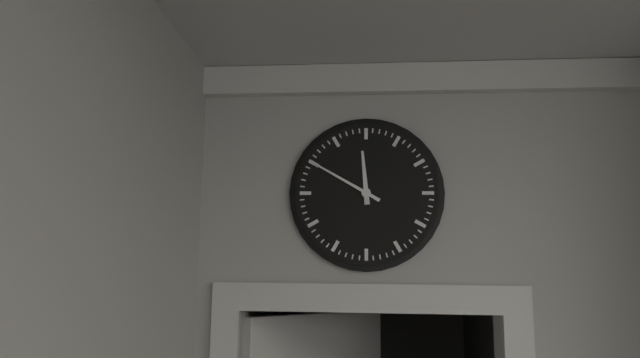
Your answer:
11 h 50 min
